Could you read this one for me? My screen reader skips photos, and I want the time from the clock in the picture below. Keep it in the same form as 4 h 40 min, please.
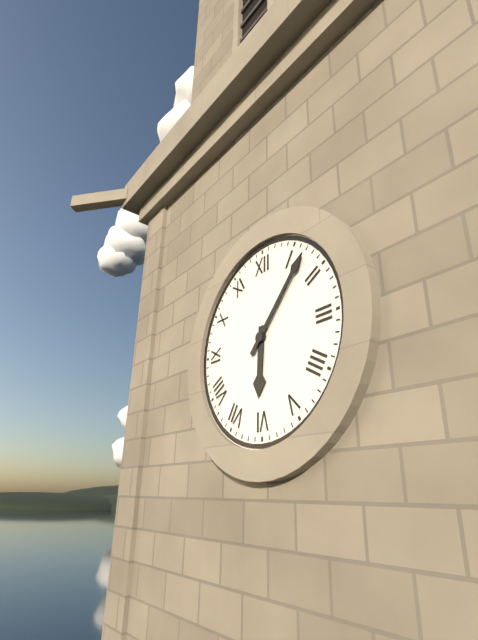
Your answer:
6 h 07 min
